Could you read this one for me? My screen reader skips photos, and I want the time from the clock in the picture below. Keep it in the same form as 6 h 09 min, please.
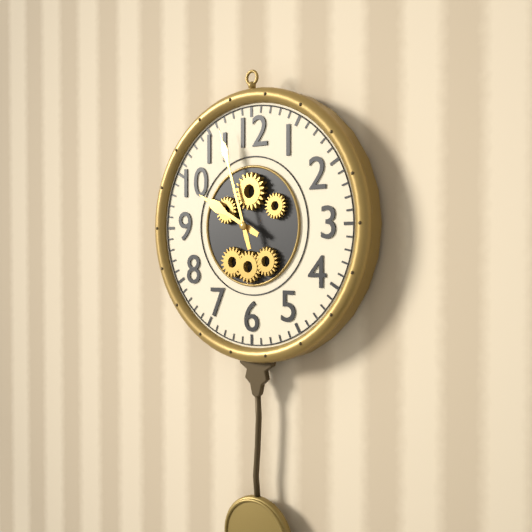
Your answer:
9 h 57 min
